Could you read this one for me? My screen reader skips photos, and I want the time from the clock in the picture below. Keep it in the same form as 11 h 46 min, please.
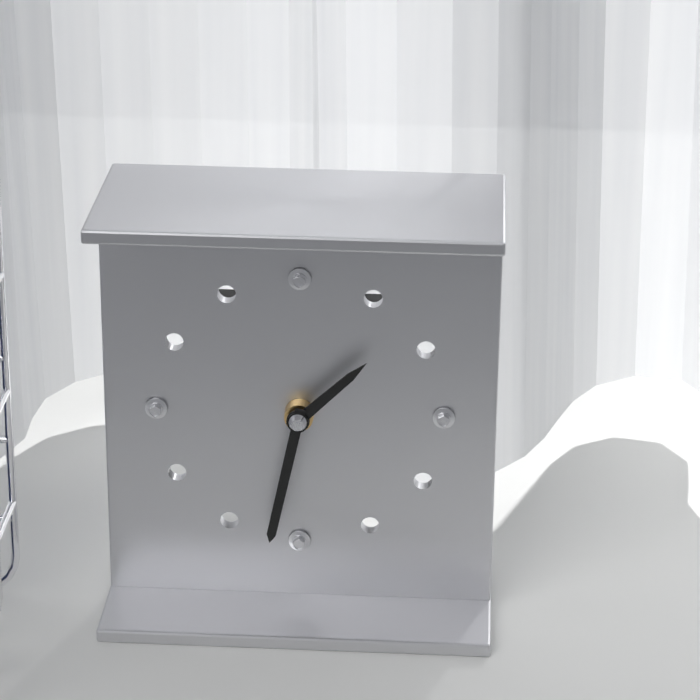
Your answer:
1 h 32 min
